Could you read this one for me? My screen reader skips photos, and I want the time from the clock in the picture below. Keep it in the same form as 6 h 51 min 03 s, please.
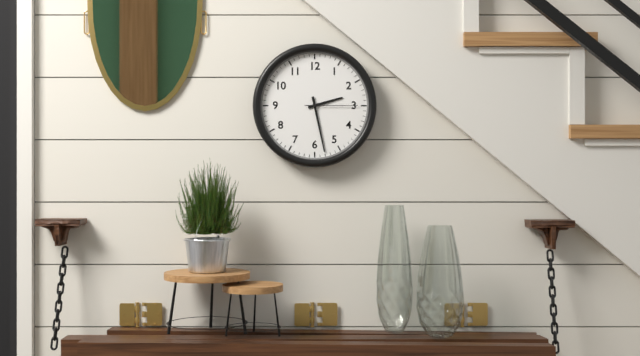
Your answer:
2 h 28 min 15 s
